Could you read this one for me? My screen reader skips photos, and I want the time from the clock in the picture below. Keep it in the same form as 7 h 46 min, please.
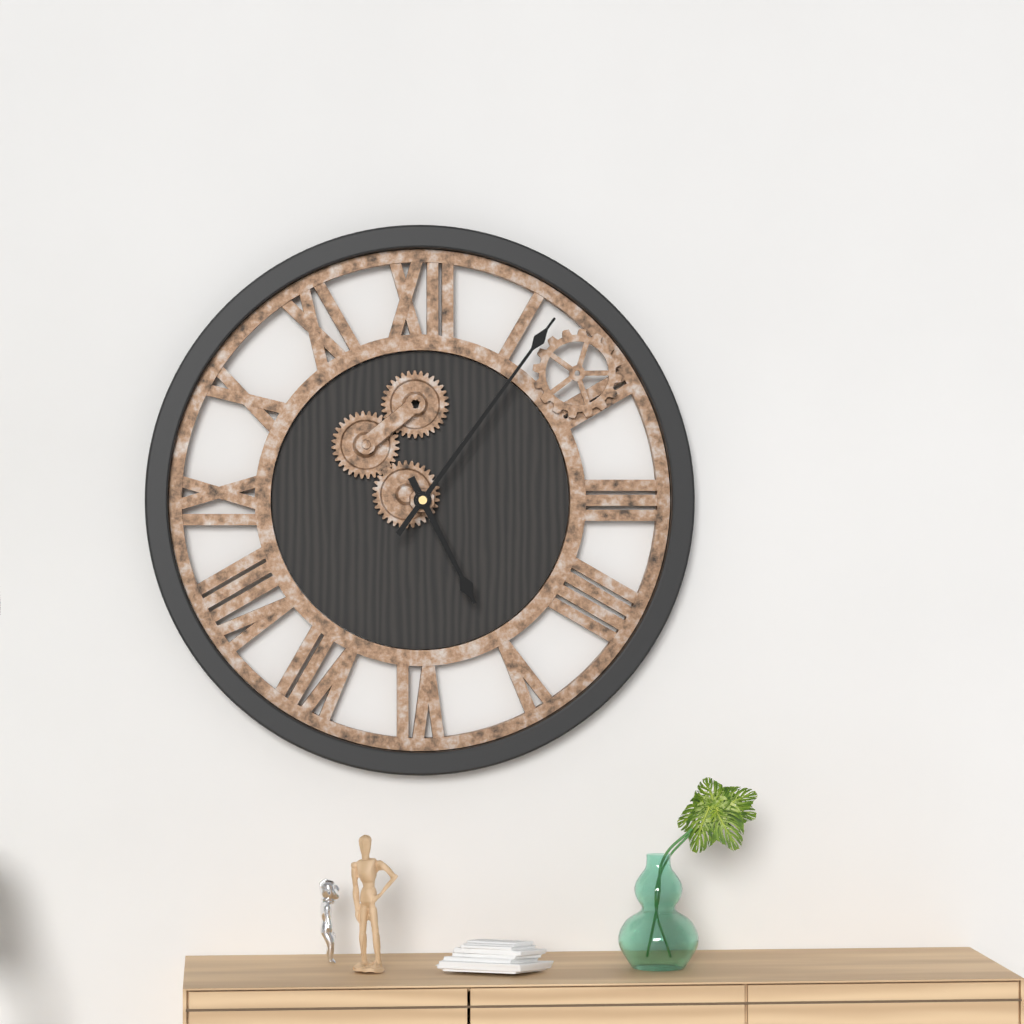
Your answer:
5 h 06 min
